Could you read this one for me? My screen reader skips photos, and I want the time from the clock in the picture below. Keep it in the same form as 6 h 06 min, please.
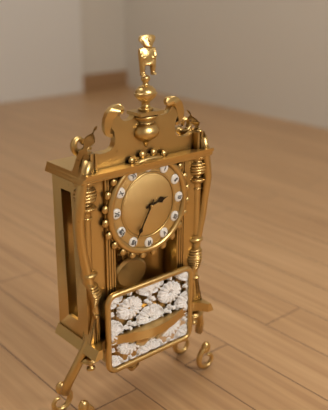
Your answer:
2 h 35 min
